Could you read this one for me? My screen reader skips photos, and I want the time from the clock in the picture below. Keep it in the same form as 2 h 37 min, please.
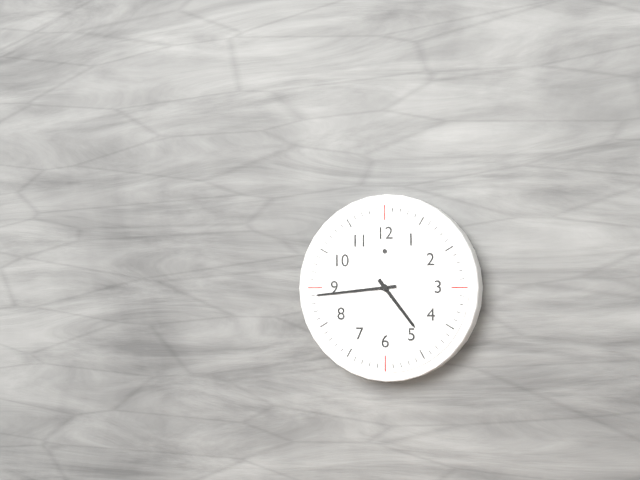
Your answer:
4 h 44 min
